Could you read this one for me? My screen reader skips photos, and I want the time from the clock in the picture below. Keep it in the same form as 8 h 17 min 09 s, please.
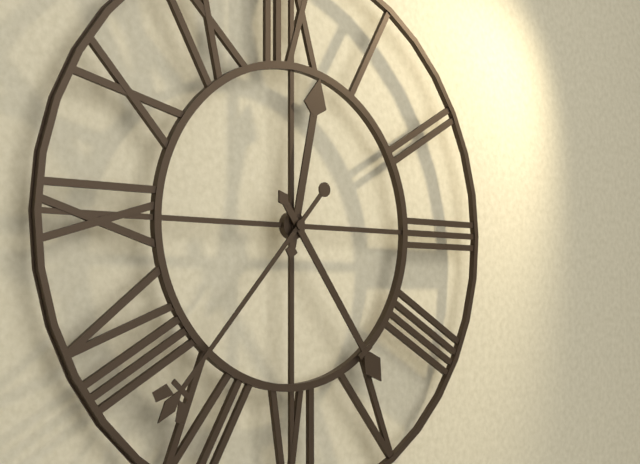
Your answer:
12 h 24 min 37 s
